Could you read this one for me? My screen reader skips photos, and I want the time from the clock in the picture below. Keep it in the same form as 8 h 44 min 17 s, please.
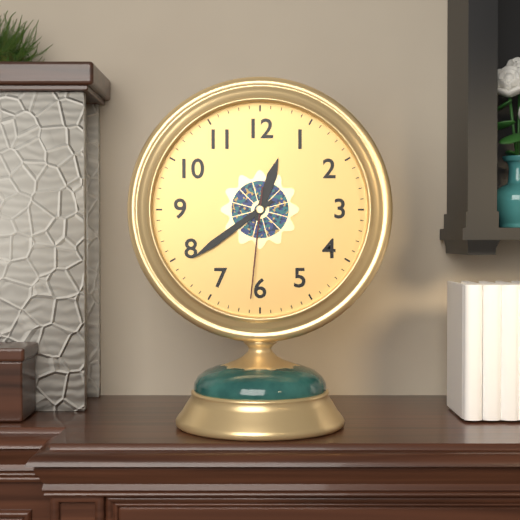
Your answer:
12 h 39 min 31 s
